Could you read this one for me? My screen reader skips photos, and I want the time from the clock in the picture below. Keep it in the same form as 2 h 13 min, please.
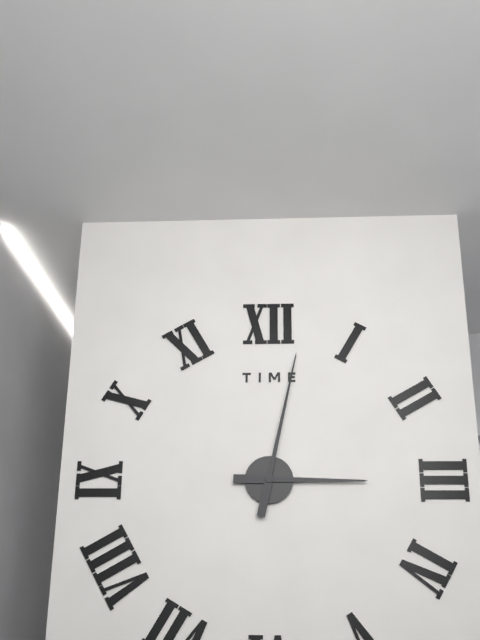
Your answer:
3 h 02 min
